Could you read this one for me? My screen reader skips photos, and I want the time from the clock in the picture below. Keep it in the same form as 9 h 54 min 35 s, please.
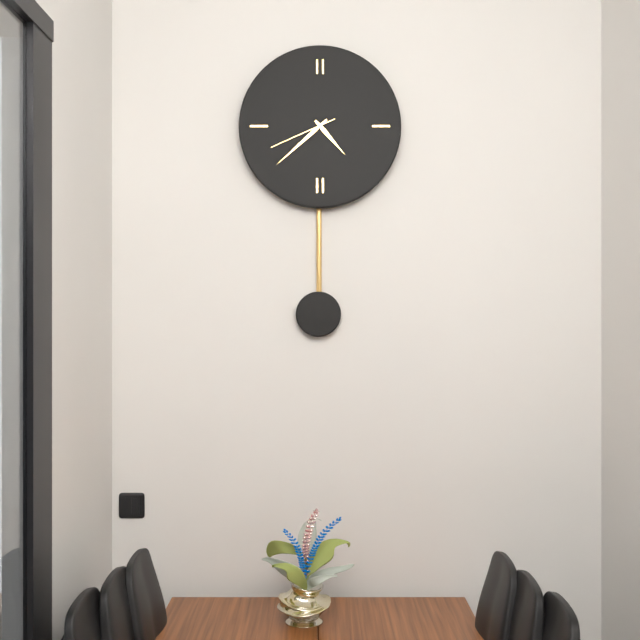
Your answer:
4 h 38 min 41 s
